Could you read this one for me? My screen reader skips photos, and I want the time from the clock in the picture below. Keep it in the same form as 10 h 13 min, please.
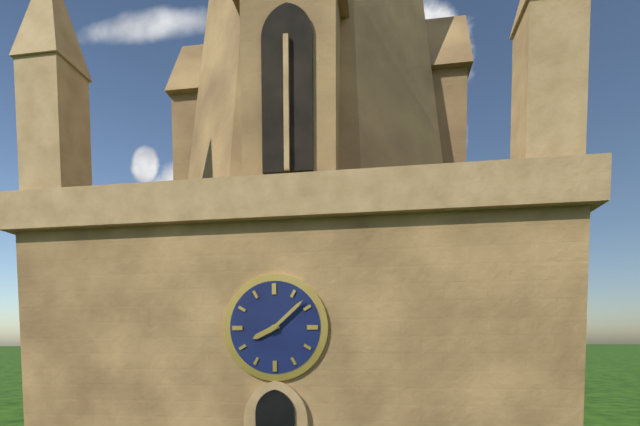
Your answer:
8 h 08 min
